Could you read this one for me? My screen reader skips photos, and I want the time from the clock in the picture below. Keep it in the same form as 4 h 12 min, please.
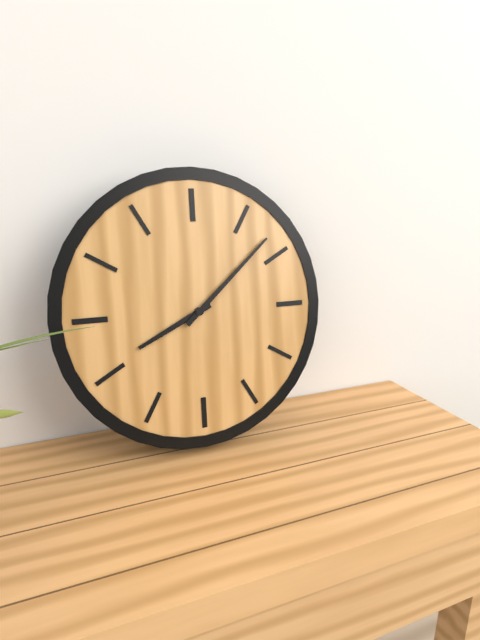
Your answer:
8 h 08 min
